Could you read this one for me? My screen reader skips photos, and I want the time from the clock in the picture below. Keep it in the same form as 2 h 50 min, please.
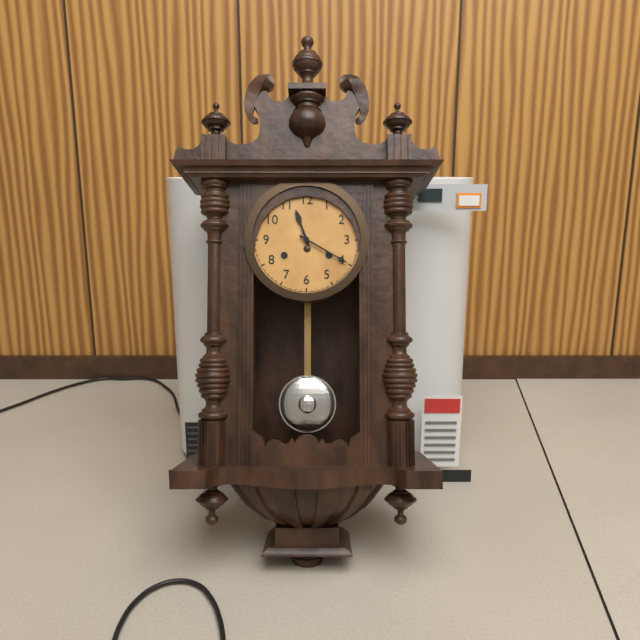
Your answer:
11 h 20 min
